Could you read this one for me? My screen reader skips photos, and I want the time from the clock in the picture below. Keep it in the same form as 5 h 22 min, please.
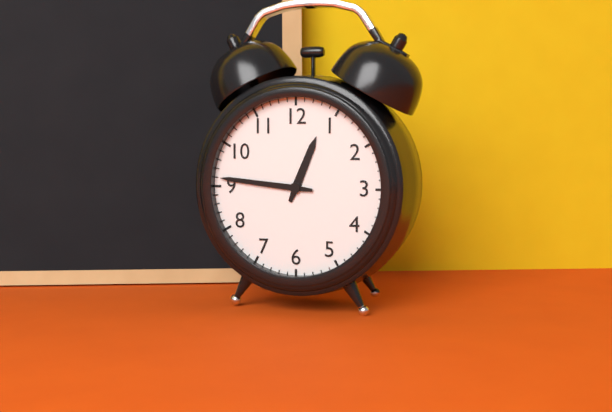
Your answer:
12 h 46 min
